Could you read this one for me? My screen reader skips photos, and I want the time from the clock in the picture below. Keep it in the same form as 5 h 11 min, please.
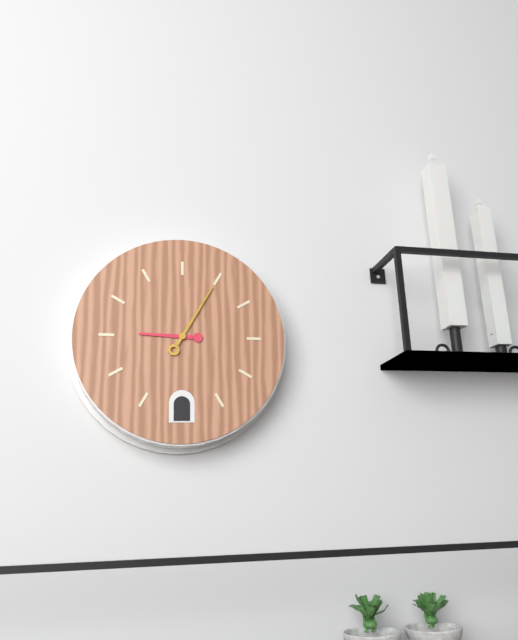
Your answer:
9 h 05 min
